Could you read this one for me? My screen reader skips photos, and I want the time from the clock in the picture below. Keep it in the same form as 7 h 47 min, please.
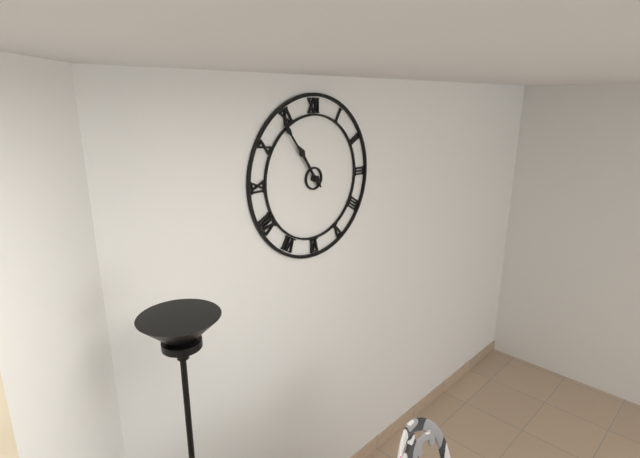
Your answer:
10 h 54 min
